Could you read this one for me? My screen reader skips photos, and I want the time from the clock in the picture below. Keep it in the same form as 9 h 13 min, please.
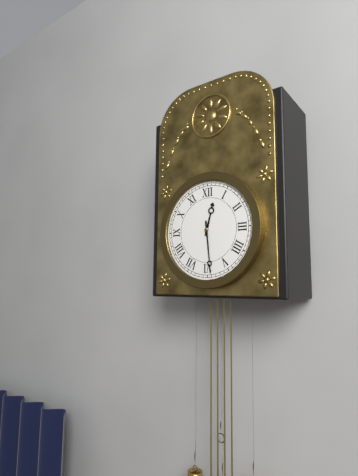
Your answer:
12 h 29 min
